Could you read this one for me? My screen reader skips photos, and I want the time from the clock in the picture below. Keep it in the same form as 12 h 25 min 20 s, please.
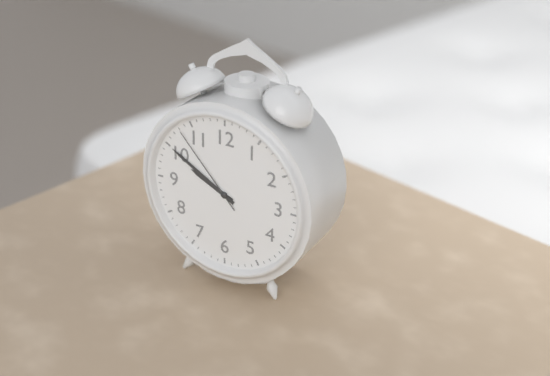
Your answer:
9 h 50 min 53 s
